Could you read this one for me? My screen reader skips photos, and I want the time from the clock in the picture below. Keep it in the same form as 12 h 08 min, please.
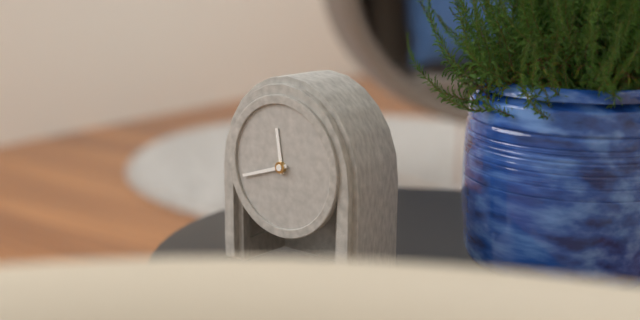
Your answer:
11 h 42 min
